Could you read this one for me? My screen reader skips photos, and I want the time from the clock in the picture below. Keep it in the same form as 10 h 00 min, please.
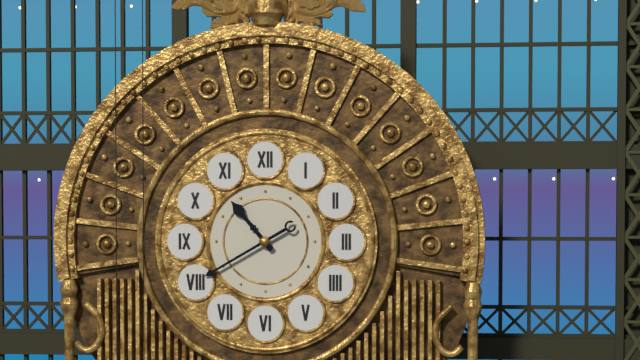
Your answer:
10 h 40 min
